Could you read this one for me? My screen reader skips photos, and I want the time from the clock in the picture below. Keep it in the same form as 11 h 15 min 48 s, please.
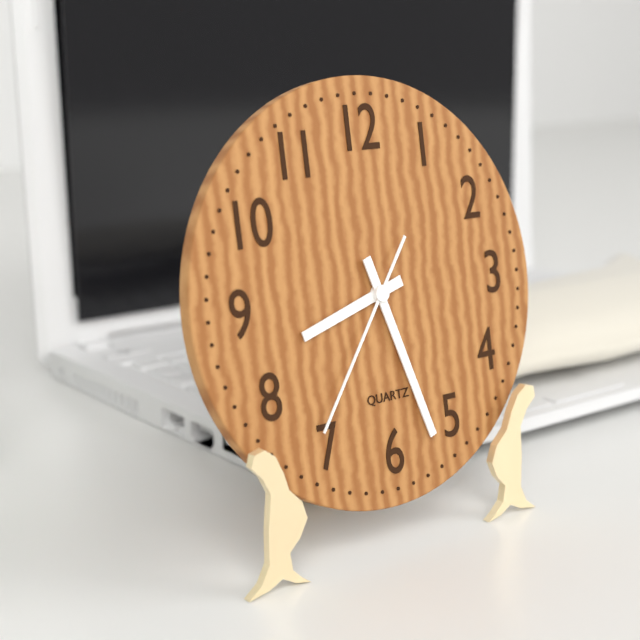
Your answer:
8 h 27 min 36 s
